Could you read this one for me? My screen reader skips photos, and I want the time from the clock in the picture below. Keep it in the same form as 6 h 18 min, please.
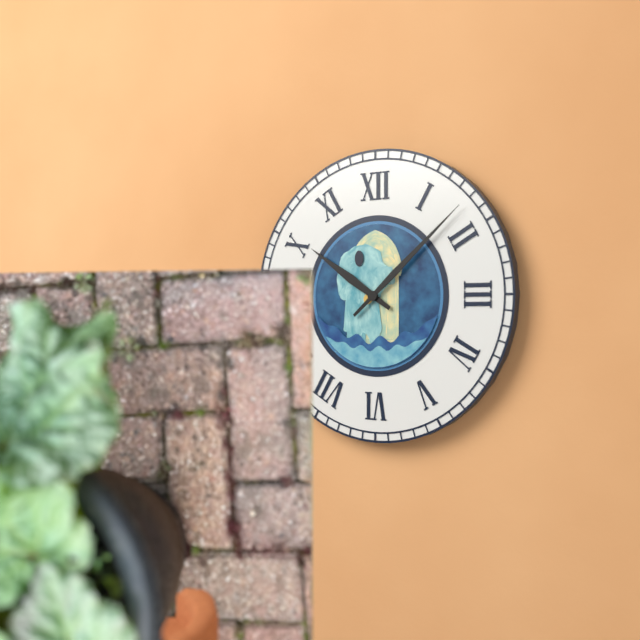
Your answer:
10 h 08 min
